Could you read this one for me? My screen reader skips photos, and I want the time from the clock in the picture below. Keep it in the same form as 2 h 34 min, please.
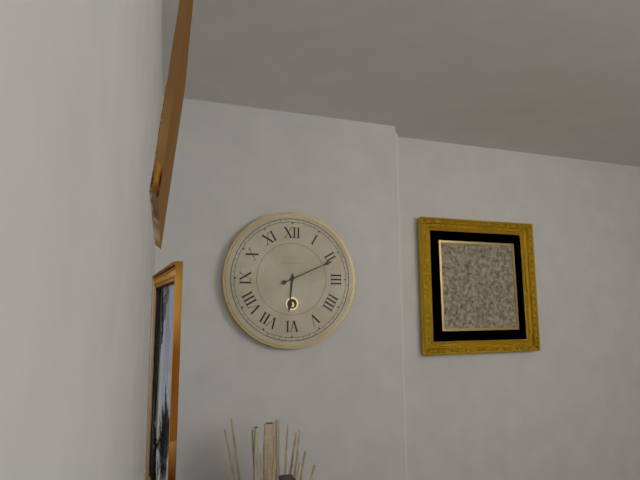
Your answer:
6 h 11 min
